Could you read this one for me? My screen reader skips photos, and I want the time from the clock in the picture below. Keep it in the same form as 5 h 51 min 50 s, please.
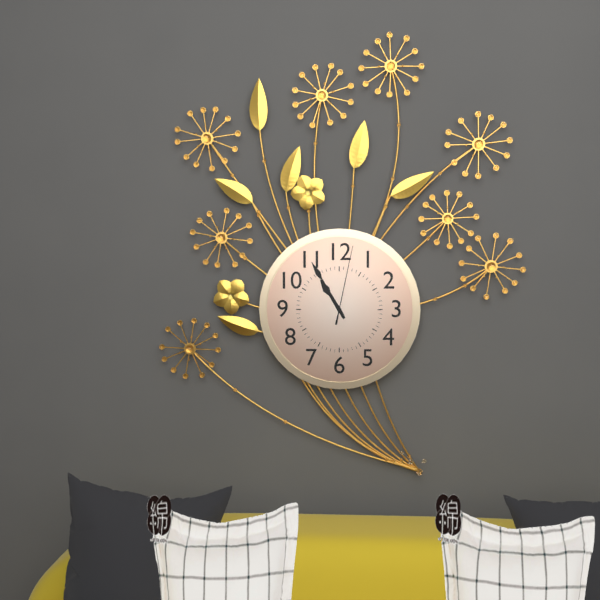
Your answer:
10 h 55 min 02 s
